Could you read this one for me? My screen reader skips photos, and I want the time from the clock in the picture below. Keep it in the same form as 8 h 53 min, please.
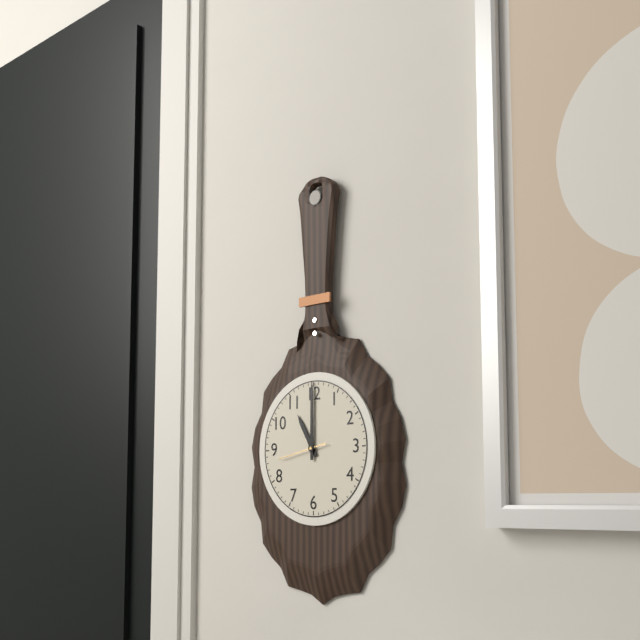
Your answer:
11 h 00 min
